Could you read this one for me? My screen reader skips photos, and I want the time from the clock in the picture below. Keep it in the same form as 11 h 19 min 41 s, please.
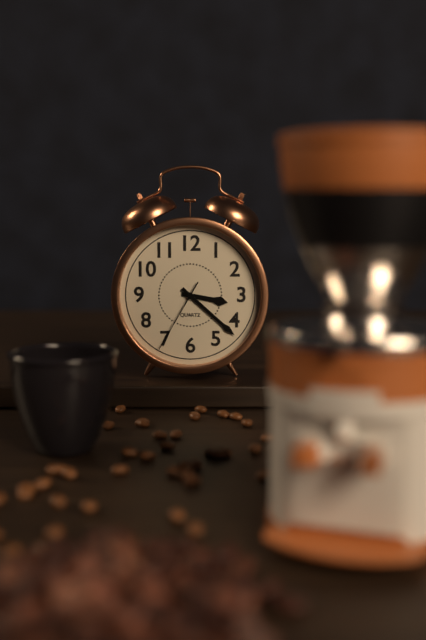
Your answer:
3 h 22 min 35 s
